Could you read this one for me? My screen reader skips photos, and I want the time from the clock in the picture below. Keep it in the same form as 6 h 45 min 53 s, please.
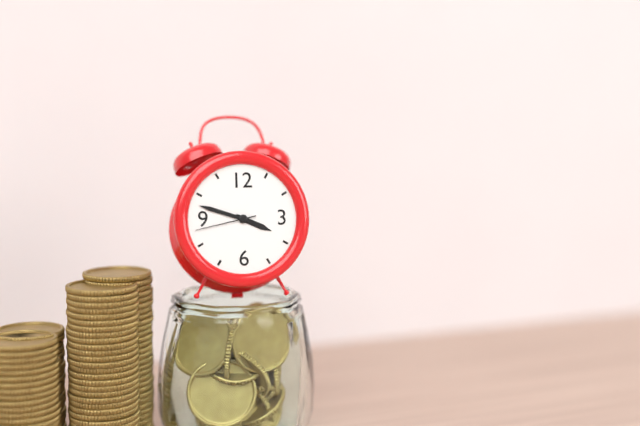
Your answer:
3 h 48 min 43 s
